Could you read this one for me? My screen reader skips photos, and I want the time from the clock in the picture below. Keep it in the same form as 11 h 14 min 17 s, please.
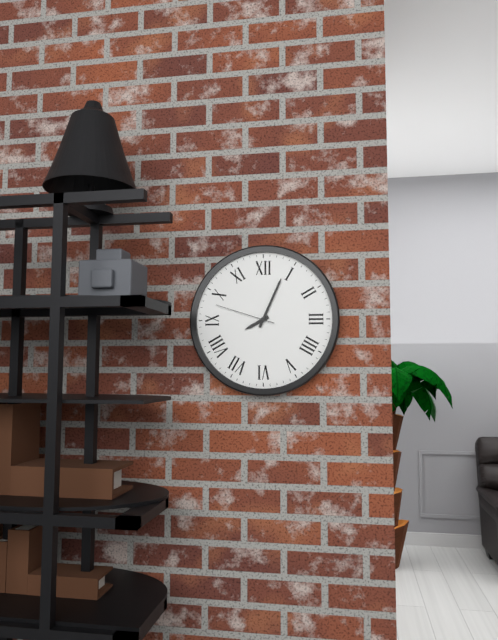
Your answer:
8 h 04 min 48 s
